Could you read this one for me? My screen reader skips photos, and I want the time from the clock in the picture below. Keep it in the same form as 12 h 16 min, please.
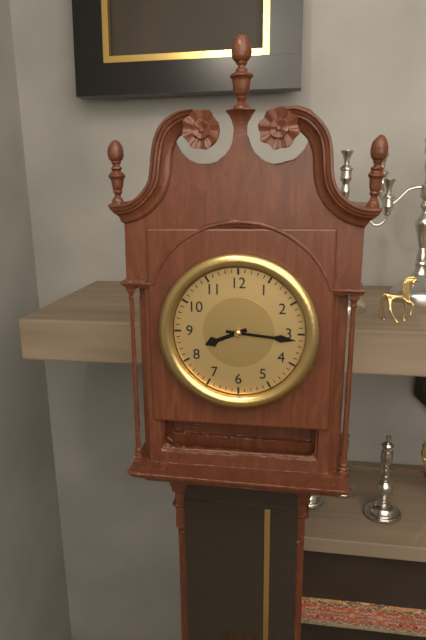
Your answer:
8 h 16 min
